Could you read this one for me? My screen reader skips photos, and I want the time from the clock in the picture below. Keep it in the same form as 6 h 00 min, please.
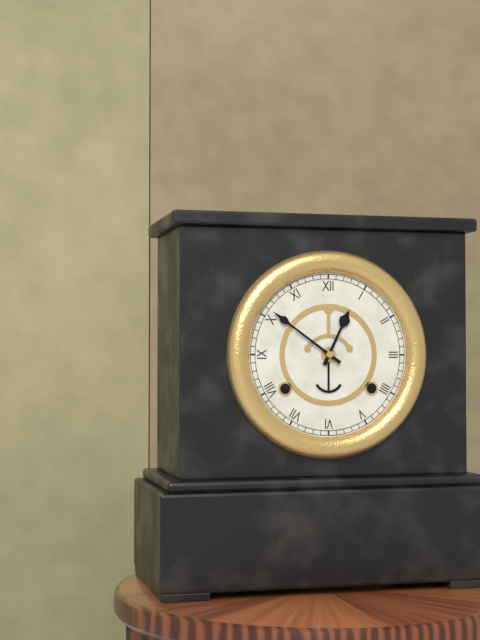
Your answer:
12 h 51 min
